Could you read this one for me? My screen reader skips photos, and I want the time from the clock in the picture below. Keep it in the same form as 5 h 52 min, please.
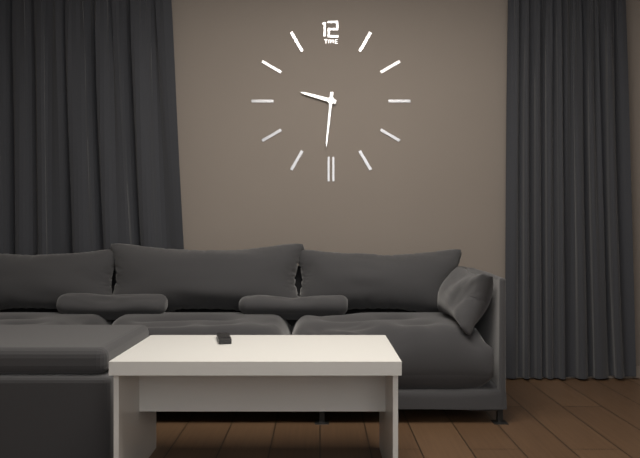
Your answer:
9 h 31 min
